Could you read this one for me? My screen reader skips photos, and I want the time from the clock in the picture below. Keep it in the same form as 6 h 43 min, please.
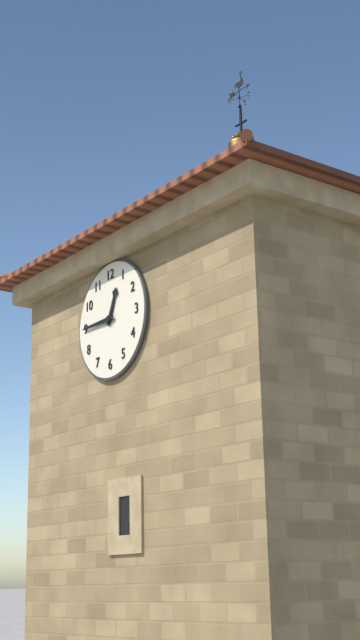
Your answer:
12 h 45 min
